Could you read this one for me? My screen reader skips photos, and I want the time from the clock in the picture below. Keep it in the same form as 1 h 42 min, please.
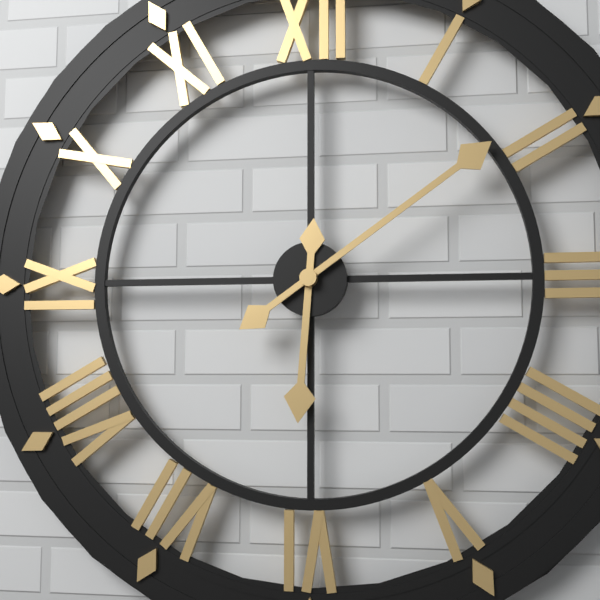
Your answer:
6 h 09 min
